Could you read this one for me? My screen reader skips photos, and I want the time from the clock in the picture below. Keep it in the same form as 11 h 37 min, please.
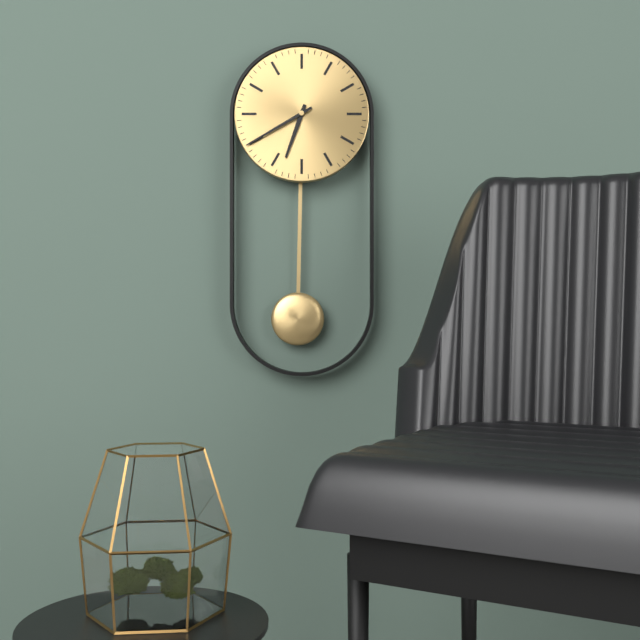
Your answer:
6 h 40 min
